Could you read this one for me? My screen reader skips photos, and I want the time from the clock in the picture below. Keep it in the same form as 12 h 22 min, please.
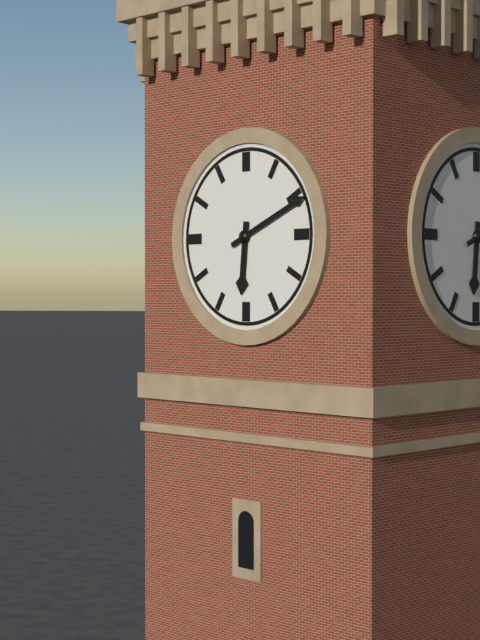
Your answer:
6 h 11 min
